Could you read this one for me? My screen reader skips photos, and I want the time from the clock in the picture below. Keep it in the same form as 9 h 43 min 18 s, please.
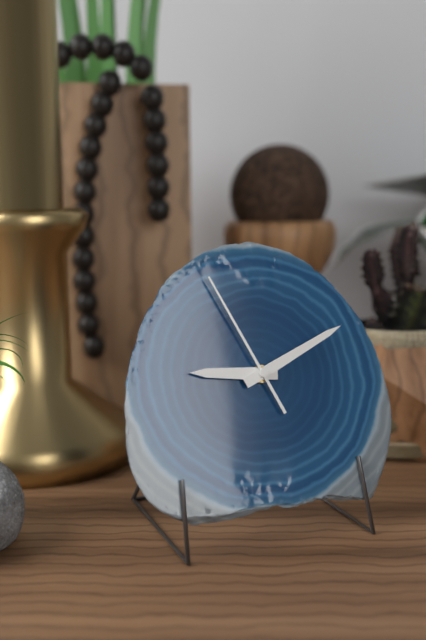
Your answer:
9 h 11 min 56 s
